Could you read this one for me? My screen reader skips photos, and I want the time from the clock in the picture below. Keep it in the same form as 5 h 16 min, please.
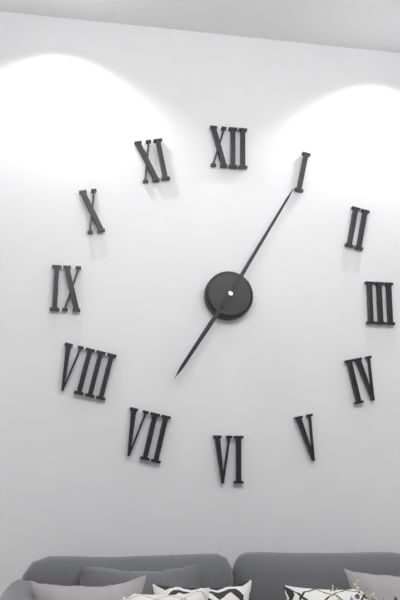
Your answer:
7 h 05 min
